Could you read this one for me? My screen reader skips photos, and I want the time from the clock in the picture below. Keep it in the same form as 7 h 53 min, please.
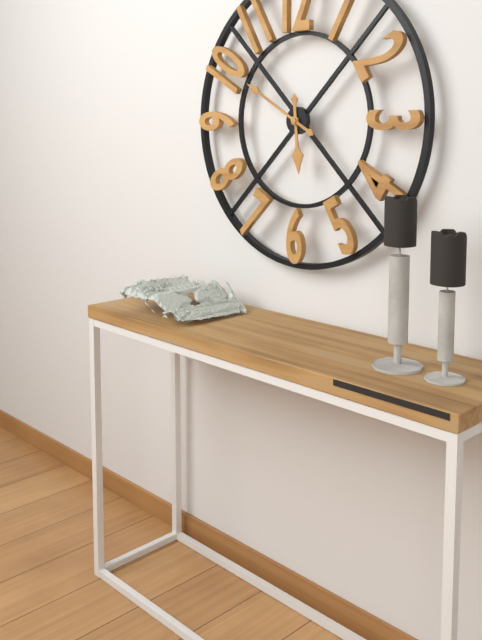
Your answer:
5 h 50 min
